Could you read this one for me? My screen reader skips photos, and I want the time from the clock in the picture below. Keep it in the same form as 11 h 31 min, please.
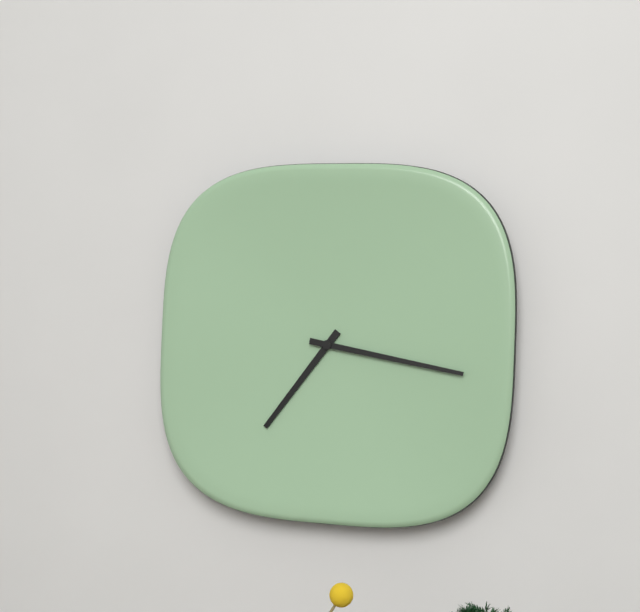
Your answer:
7 h 17 min
